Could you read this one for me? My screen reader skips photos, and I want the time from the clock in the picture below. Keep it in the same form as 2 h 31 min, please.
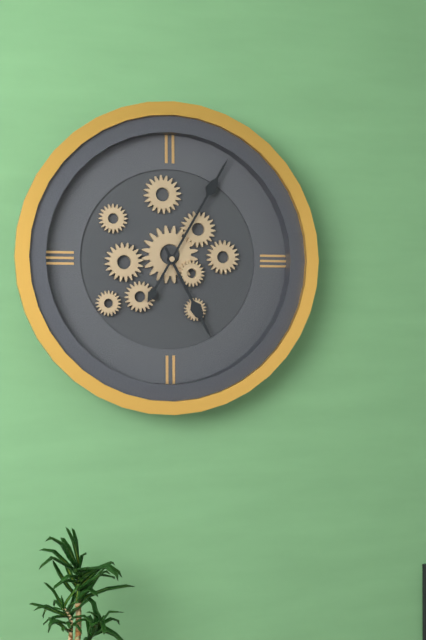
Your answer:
5 h 05 min
